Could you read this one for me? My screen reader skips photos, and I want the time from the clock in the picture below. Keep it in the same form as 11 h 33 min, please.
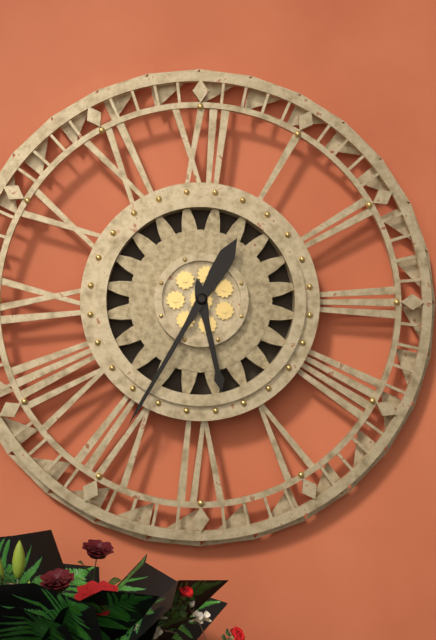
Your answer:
5 h 35 min
